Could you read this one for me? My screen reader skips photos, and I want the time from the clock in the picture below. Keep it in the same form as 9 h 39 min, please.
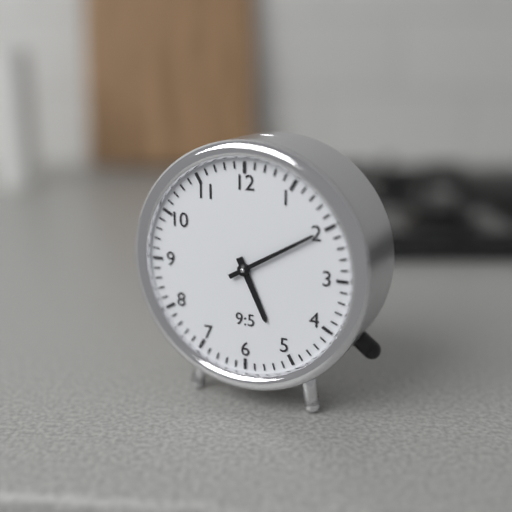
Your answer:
5 h 10 min
